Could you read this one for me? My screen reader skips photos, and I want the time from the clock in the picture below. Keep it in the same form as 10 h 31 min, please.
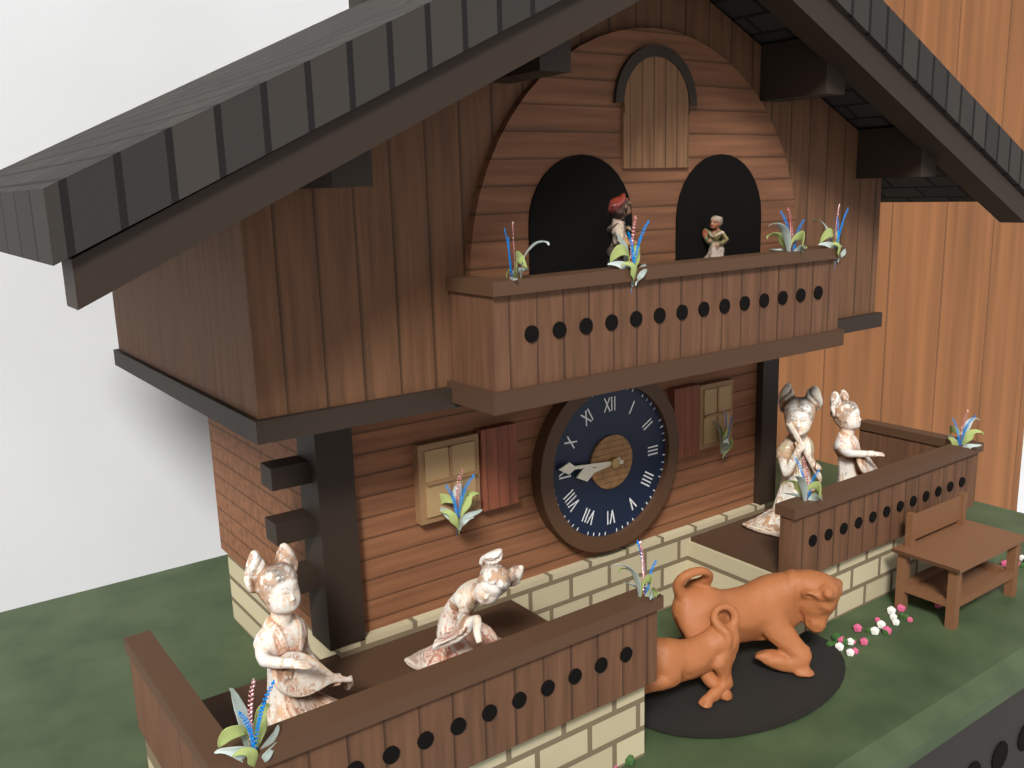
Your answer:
8 h 46 min
